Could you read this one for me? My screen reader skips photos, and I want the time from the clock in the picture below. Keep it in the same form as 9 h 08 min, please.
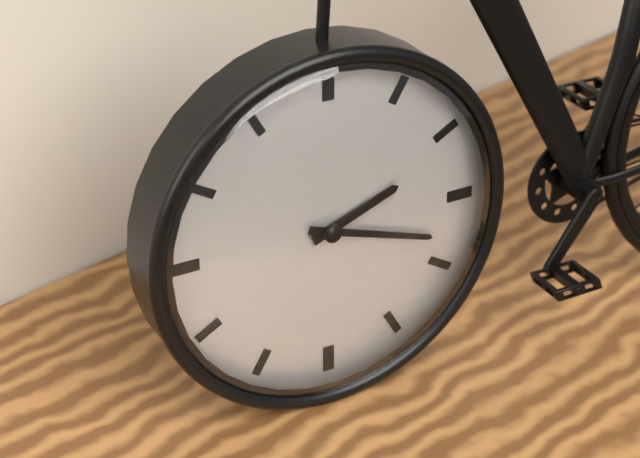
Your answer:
2 h 18 min
